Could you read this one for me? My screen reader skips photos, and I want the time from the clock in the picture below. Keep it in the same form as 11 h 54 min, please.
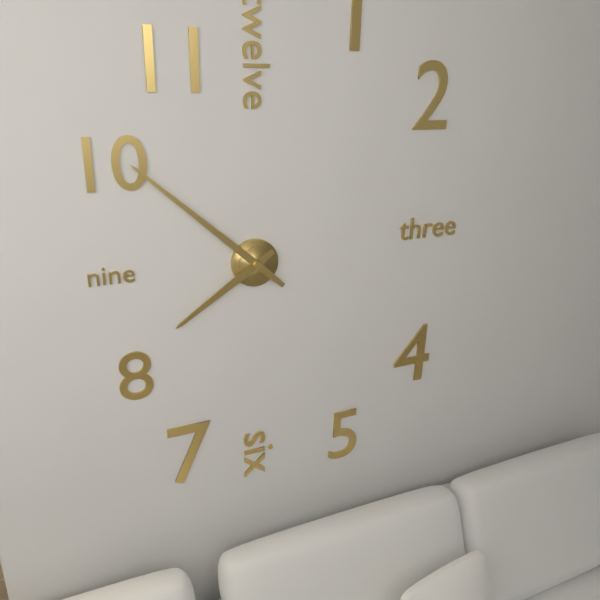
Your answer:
7 h 52 min
